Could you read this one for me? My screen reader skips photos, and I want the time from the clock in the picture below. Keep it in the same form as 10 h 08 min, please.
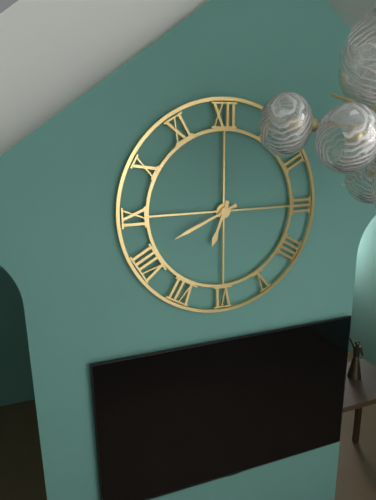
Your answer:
6 h 41 min
